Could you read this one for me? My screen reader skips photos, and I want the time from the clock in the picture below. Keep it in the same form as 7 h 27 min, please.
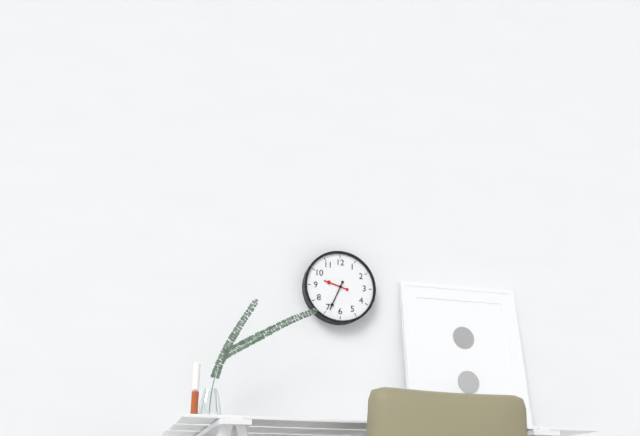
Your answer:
9 h 34 min
